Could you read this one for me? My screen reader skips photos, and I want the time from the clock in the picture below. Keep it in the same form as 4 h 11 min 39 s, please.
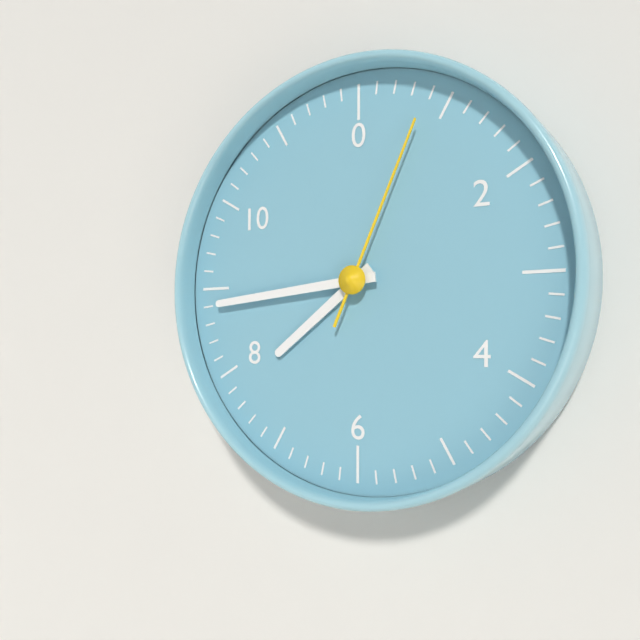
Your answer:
7 h 44 min 04 s
